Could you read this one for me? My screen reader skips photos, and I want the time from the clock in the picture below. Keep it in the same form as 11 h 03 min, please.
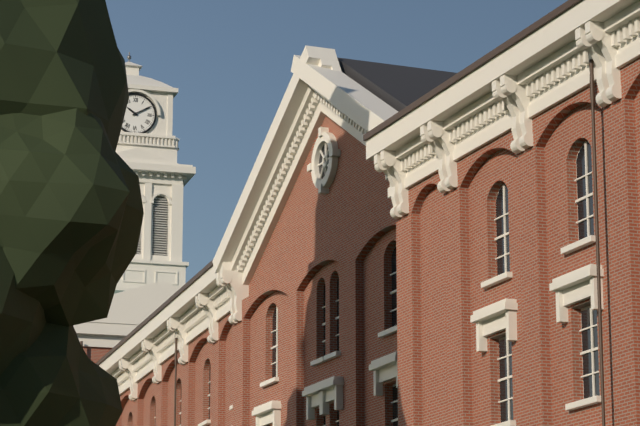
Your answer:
10 h 10 min
